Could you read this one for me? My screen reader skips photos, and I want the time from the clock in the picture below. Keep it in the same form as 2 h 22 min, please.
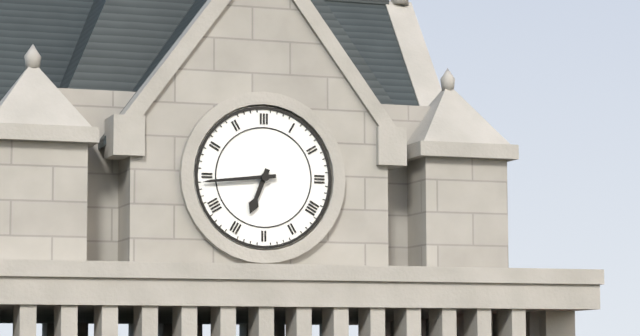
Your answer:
6 h 44 min
